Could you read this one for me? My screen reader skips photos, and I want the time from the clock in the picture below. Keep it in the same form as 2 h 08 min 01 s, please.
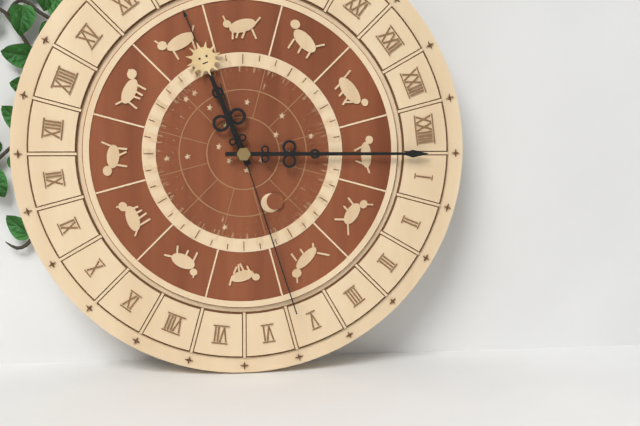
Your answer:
11 h 15 min 27 s
